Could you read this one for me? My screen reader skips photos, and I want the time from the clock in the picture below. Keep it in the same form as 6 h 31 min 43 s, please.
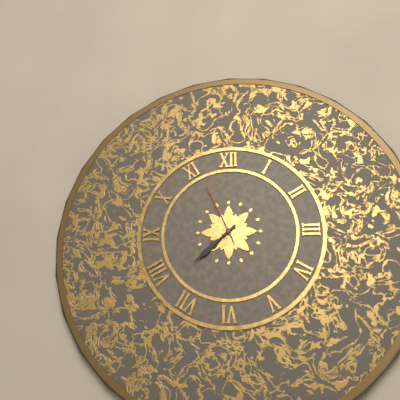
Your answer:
7 h 38 min 56 s
